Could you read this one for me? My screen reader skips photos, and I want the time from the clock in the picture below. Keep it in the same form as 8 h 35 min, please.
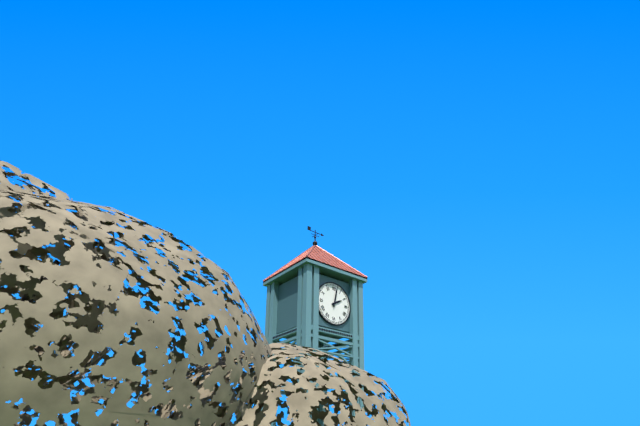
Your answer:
2 h 02 min
